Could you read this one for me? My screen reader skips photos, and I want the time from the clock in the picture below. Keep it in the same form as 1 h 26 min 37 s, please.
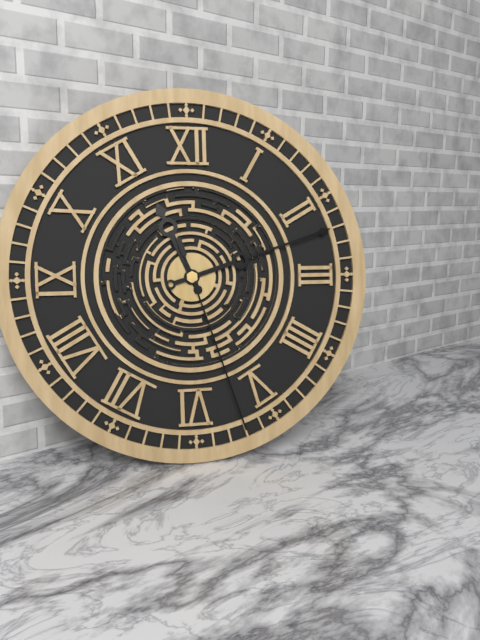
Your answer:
11 h 12 min 27 s
